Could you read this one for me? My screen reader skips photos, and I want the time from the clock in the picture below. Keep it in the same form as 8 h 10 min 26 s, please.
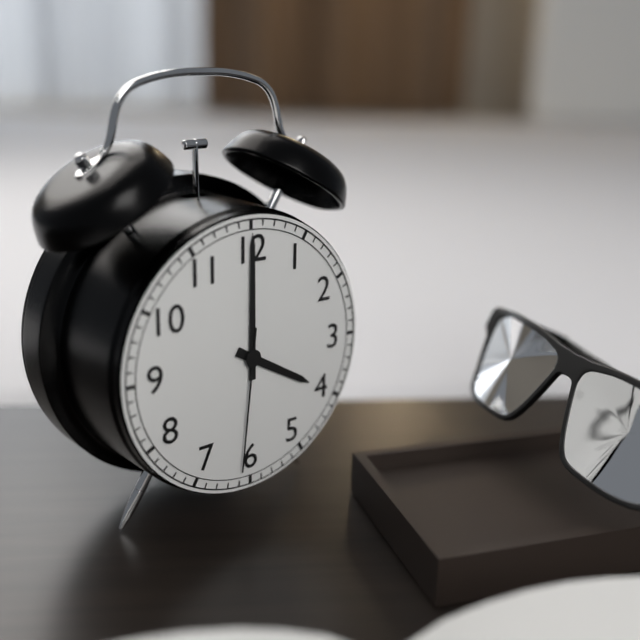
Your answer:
4 h 00 min 31 s
